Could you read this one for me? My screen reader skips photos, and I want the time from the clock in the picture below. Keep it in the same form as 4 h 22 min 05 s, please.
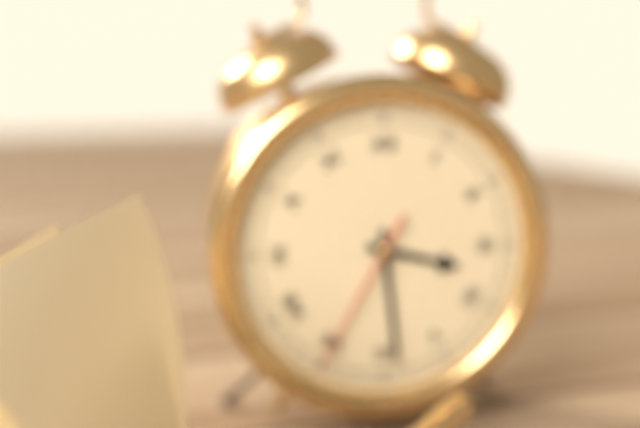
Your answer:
3 h 29 min 35 s
